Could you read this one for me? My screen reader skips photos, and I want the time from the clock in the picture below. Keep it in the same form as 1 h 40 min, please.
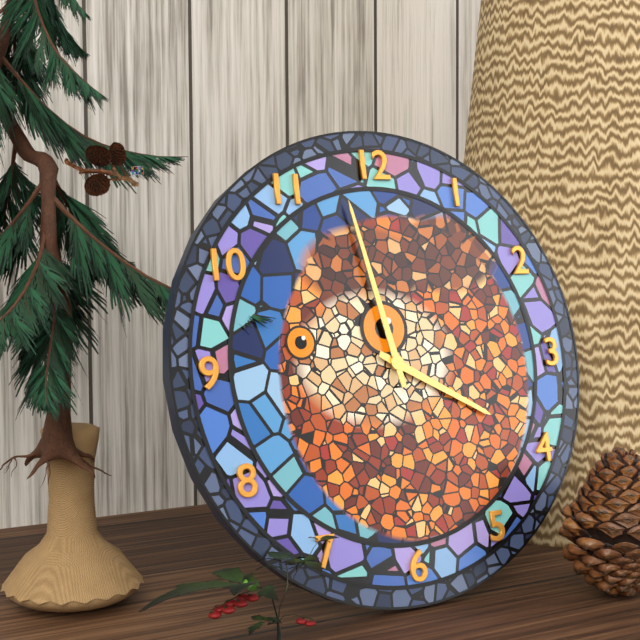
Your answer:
3 h 58 min
